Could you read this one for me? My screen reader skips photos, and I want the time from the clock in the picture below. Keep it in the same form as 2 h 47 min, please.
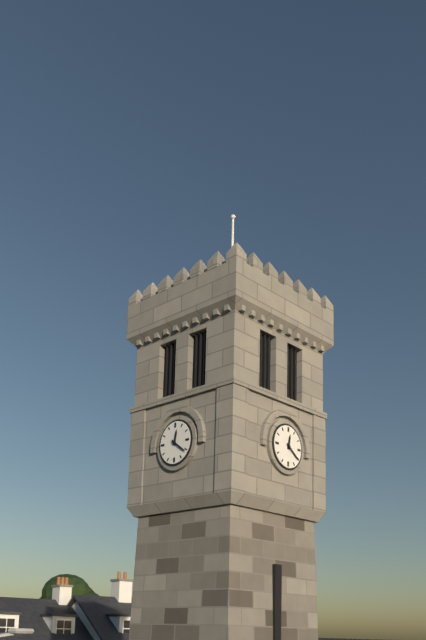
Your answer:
12 h 21 min
